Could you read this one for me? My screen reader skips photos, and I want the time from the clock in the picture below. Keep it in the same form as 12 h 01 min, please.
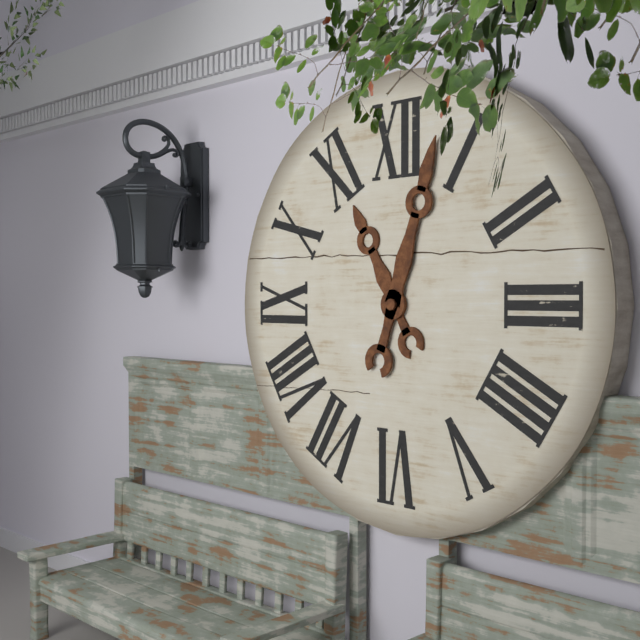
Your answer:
11 h 03 min
